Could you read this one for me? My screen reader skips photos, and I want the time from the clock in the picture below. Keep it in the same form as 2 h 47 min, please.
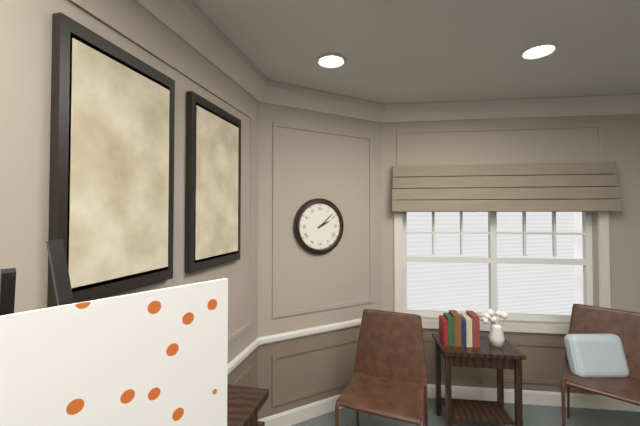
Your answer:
2 h 08 min
